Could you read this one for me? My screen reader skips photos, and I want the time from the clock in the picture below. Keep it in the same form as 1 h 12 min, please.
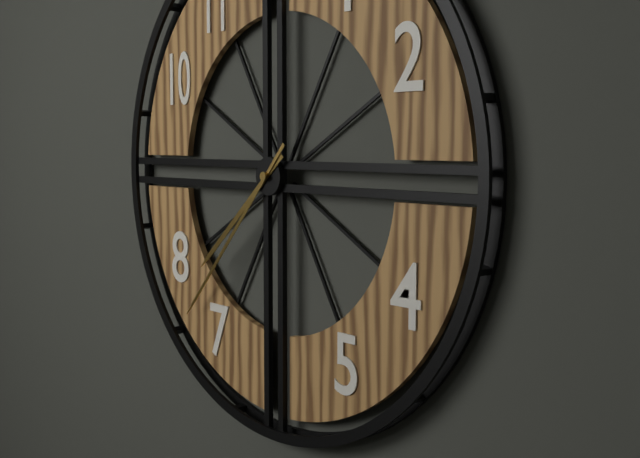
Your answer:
7 h 37 min
